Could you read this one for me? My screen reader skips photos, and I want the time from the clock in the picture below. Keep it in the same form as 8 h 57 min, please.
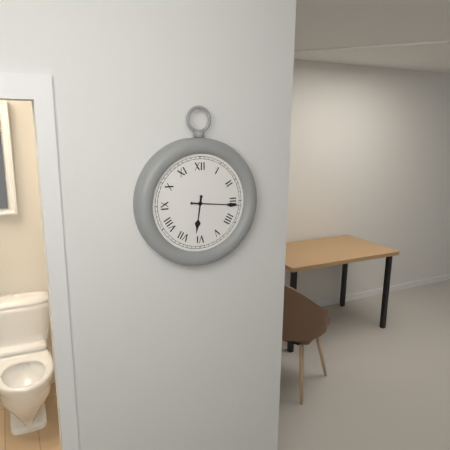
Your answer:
6 h 16 min
